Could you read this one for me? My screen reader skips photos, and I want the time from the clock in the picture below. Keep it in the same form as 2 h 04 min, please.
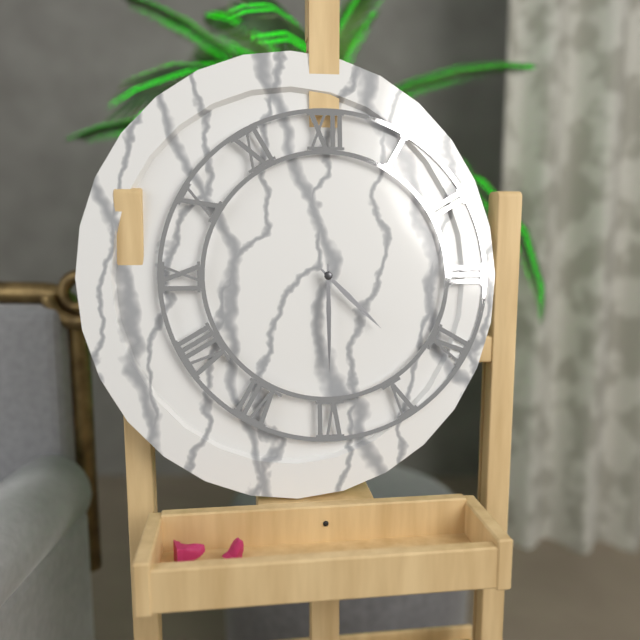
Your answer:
4 h 30 min
